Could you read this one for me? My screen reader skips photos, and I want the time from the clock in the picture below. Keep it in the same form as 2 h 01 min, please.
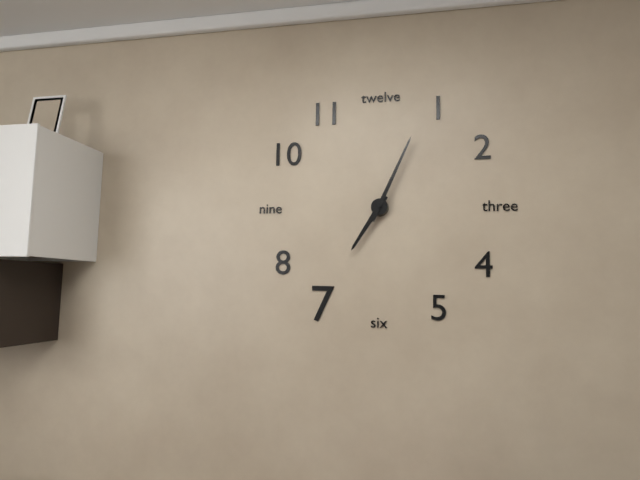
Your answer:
7 h 04 min
